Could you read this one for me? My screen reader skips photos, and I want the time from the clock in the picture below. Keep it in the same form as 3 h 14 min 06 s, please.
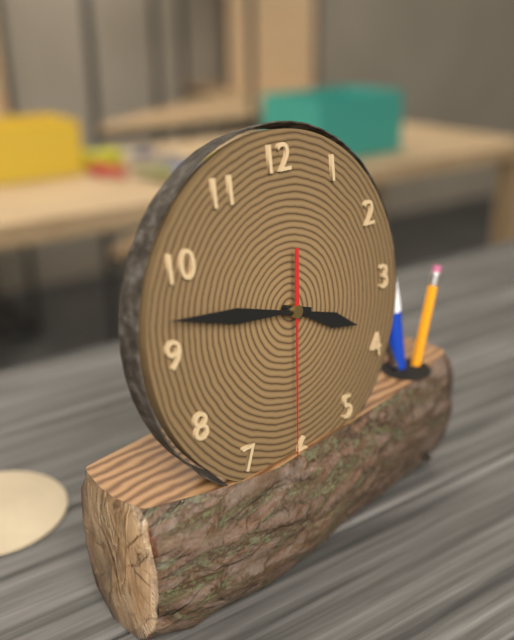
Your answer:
3 h 47 min 31 s
